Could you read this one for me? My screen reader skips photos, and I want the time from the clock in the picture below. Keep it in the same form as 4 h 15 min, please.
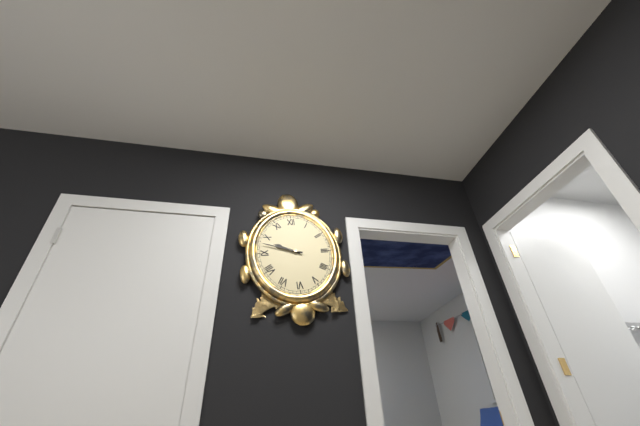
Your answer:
9 h 48 min
